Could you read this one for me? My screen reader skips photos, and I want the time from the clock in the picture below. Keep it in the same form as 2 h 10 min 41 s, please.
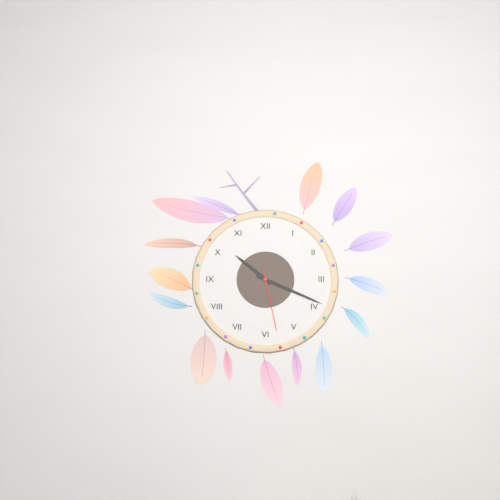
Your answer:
10 h 19 min 28 s
